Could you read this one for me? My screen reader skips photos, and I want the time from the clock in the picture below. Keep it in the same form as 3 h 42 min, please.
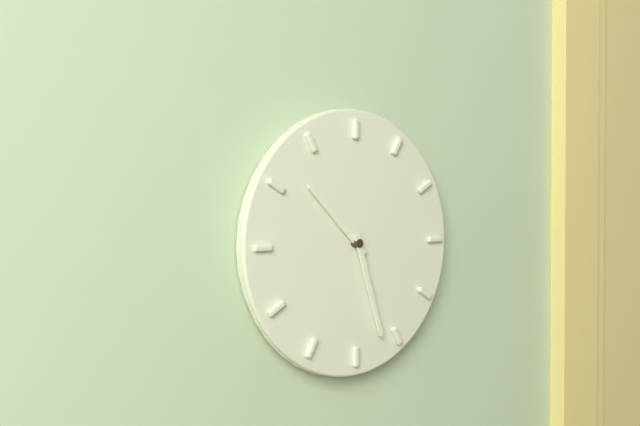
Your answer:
10 h 27 min
